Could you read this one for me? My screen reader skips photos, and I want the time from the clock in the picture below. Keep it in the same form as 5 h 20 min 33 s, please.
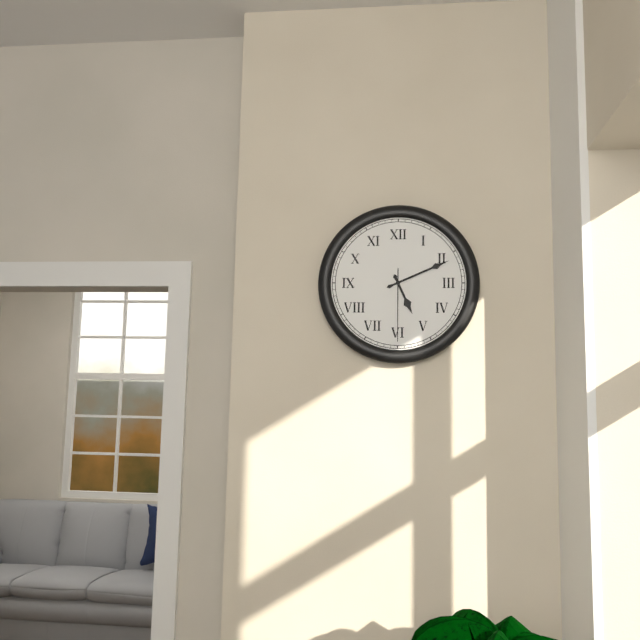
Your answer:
5 h 11 min 30 s
